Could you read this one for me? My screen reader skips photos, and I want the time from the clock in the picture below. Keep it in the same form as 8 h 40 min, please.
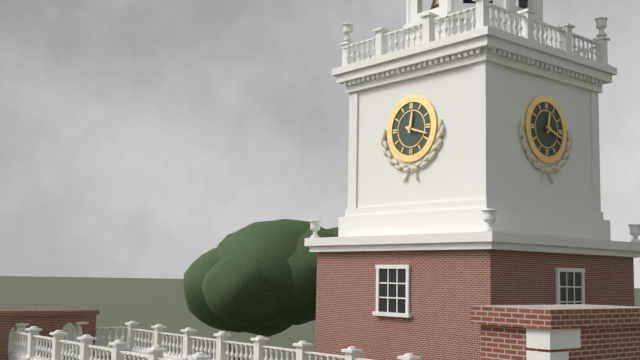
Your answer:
12 h 18 min
